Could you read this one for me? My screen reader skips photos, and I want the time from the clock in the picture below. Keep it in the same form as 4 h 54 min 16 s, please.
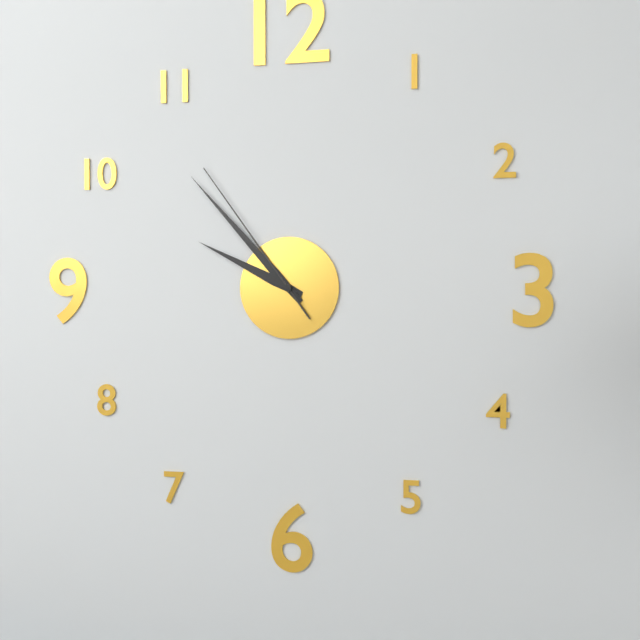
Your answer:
9 h 53 min 54 s
